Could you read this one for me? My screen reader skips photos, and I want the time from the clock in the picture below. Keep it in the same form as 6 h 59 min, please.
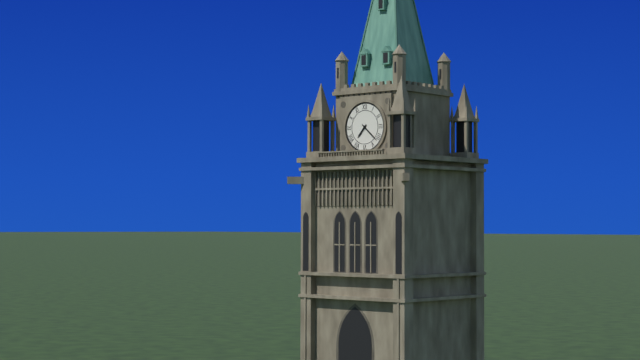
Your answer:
7 h 22 min
